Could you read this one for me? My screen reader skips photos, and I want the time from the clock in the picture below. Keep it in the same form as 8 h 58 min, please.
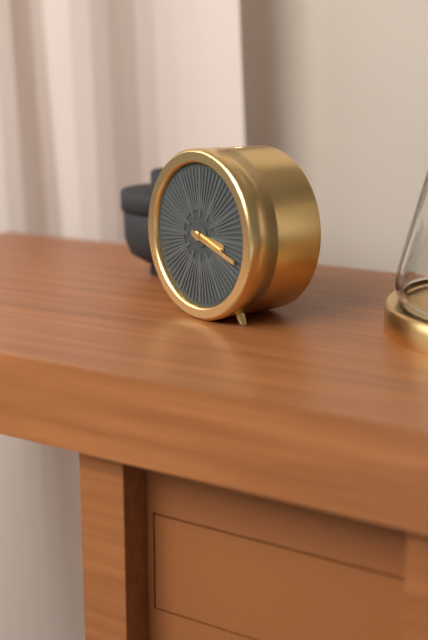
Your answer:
3 h 18 min
